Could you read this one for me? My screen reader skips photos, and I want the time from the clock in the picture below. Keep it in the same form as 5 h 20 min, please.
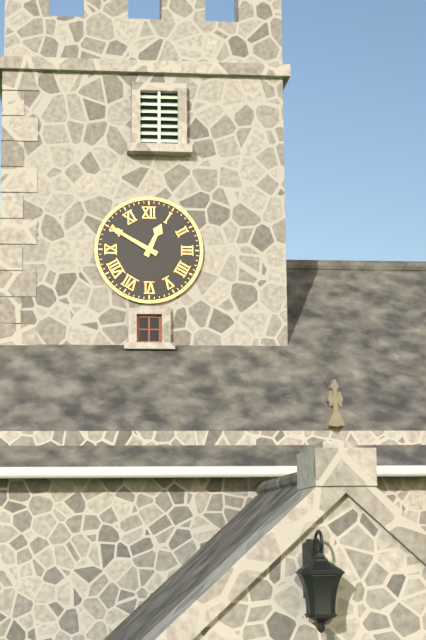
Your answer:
12 h 50 min
